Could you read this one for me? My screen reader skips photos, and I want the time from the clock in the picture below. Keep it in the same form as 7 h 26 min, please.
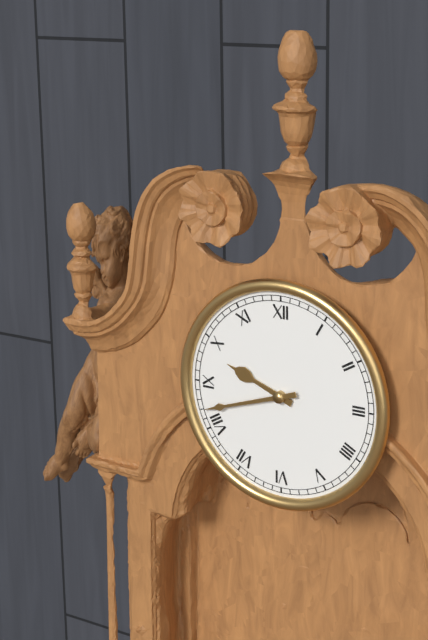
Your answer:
9 h 42 min
